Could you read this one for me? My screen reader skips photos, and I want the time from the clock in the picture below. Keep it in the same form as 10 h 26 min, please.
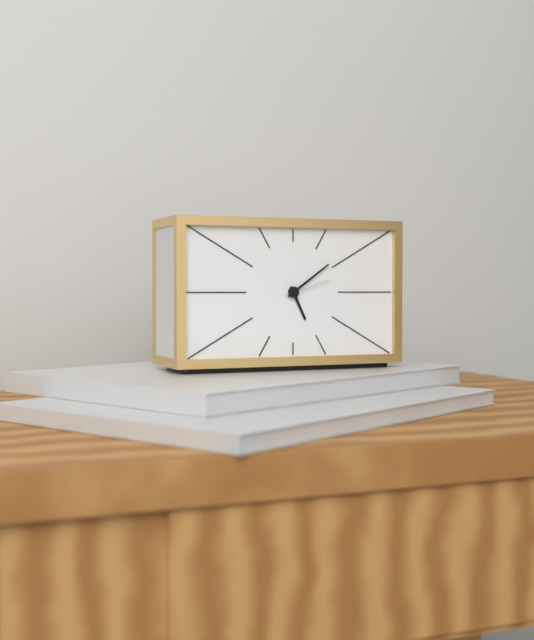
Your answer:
5 h 09 min
